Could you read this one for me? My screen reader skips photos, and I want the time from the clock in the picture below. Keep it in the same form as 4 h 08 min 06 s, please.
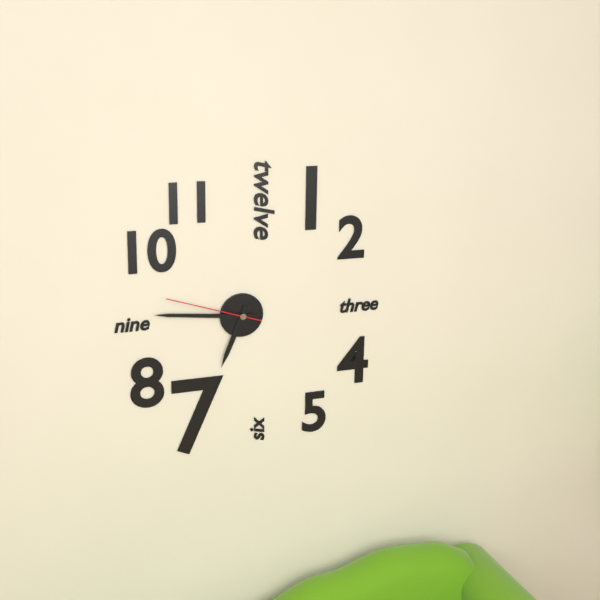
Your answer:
6 h 46 min 48 s
